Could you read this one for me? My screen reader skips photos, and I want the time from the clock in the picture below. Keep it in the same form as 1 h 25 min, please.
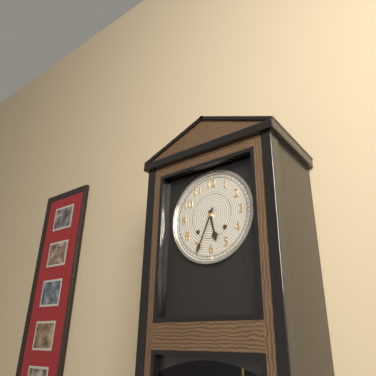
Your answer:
5 h 34 min
